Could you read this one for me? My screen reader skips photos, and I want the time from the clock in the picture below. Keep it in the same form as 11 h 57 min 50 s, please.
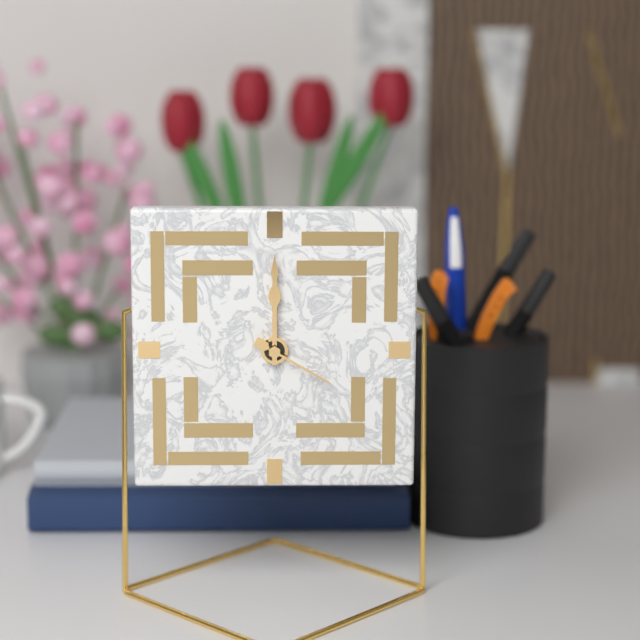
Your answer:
12 h 00 min 20 s
